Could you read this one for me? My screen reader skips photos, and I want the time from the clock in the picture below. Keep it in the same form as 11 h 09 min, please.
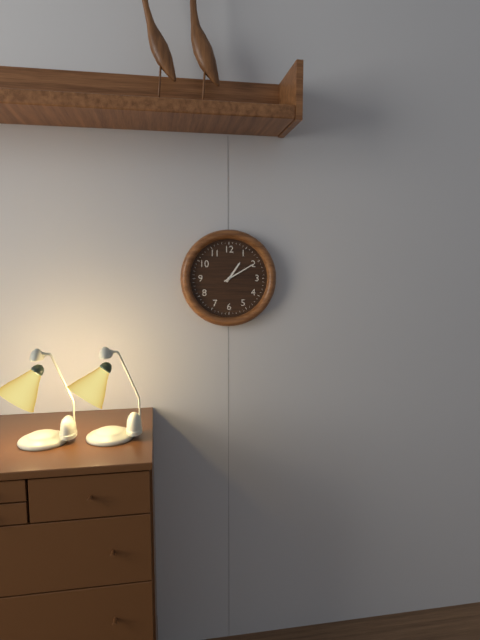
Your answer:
1 h 10 min
